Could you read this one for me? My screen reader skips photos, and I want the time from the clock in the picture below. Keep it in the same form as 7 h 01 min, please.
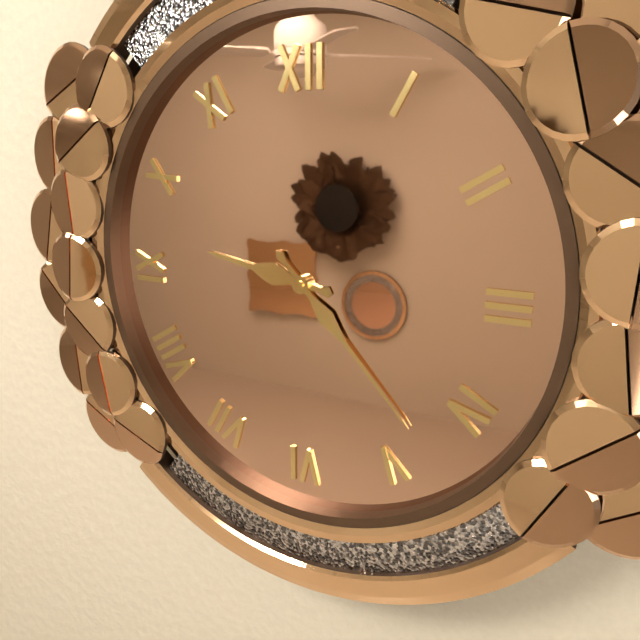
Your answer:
9 h 23 min
